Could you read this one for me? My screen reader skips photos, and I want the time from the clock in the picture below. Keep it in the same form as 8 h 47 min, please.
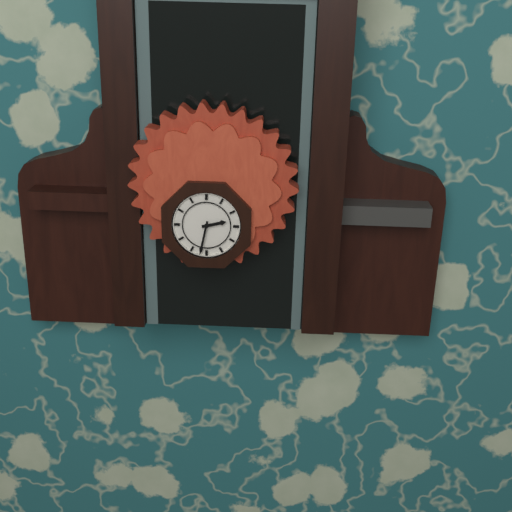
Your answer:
2 h 32 min
